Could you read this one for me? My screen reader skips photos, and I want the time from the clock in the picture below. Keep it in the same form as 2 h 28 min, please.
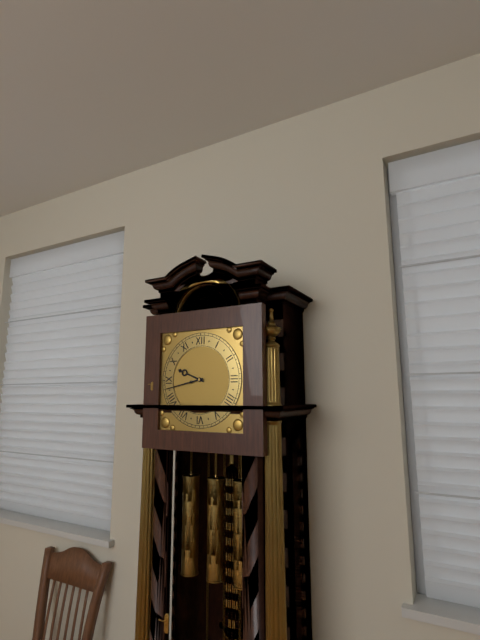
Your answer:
9 h 43 min
